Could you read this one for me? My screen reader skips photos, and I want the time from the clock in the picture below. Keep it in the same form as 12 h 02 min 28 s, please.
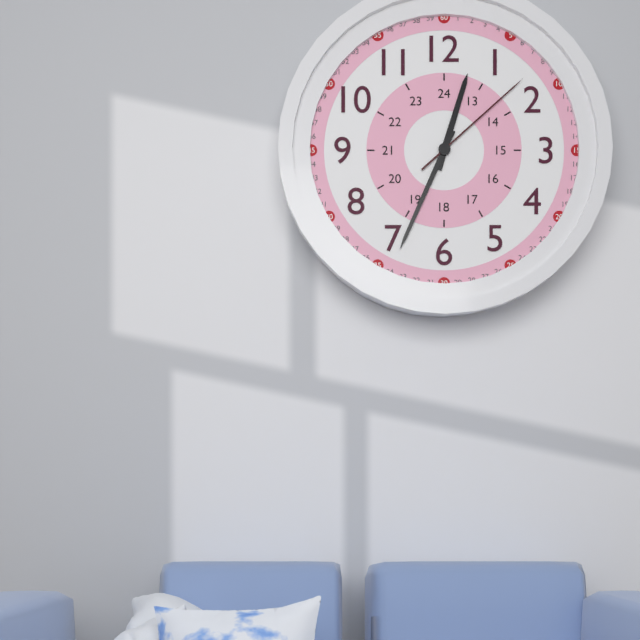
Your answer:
12 h 34 min 08 s
